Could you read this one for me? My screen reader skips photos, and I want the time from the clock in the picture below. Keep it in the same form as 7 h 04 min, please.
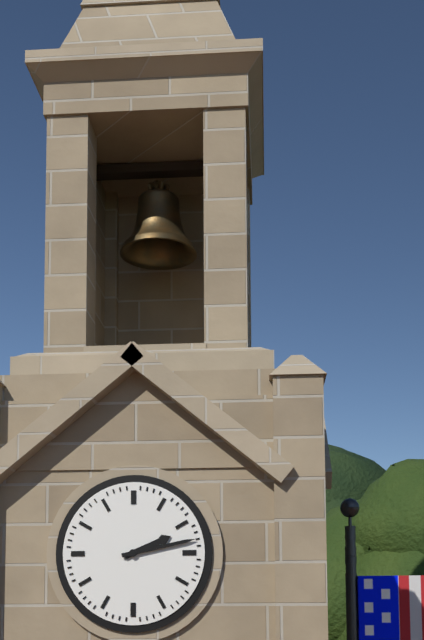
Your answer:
2 h 13 min
